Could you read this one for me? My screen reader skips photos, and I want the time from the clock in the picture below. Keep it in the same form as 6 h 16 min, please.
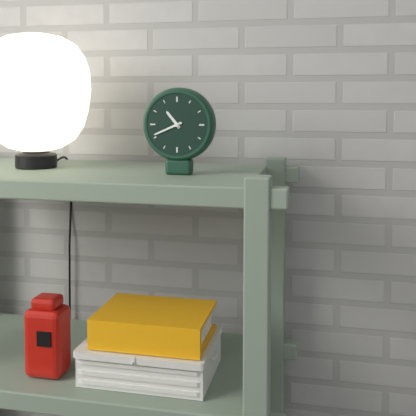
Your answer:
10 h 41 min
